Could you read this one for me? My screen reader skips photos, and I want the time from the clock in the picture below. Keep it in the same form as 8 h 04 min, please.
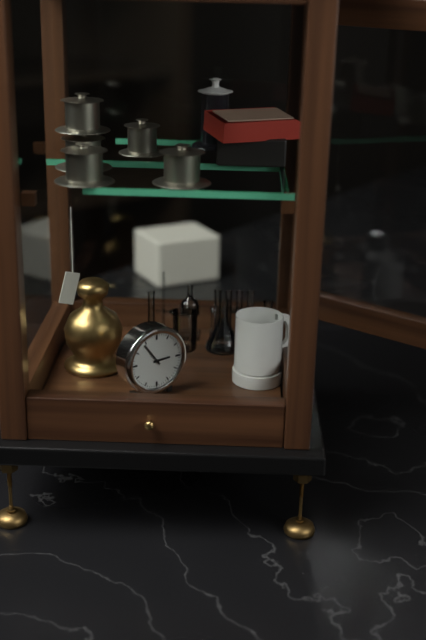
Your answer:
2 h 54 min
